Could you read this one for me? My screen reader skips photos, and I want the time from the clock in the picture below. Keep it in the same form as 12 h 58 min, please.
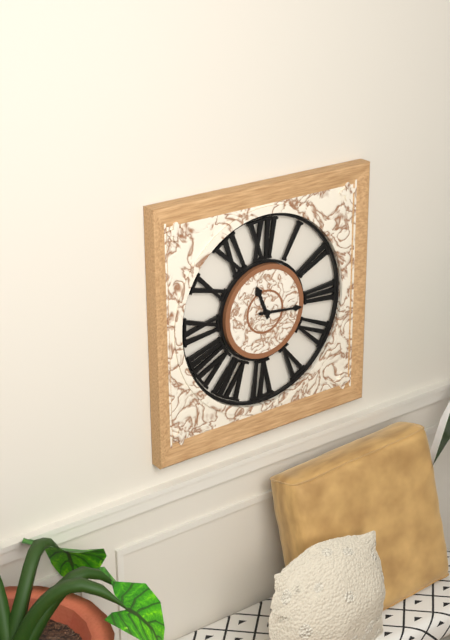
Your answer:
11 h 16 min
